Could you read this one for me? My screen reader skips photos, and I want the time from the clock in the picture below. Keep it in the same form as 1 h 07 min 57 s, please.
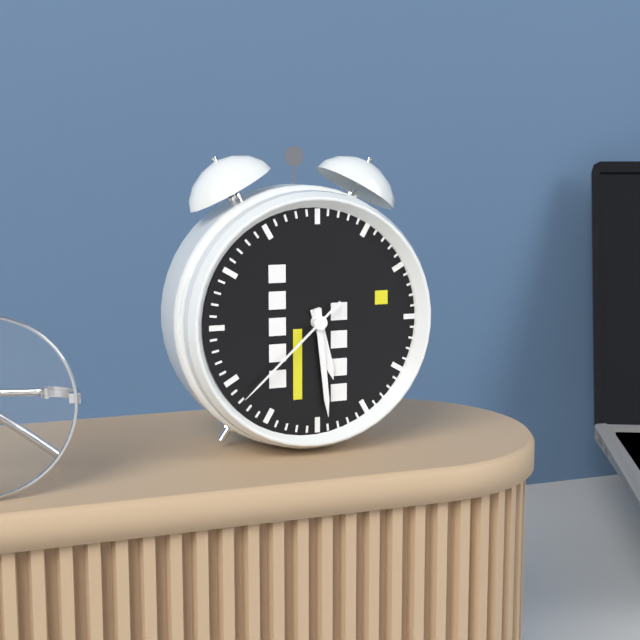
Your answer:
5 h 29 min 38 s
